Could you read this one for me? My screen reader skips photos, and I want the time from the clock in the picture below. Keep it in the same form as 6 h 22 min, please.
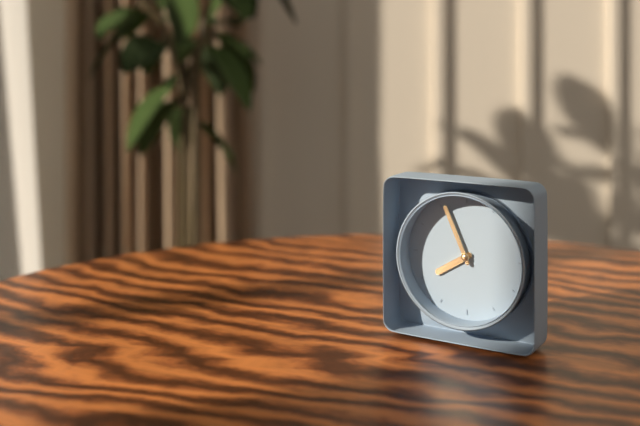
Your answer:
7 h 56 min
